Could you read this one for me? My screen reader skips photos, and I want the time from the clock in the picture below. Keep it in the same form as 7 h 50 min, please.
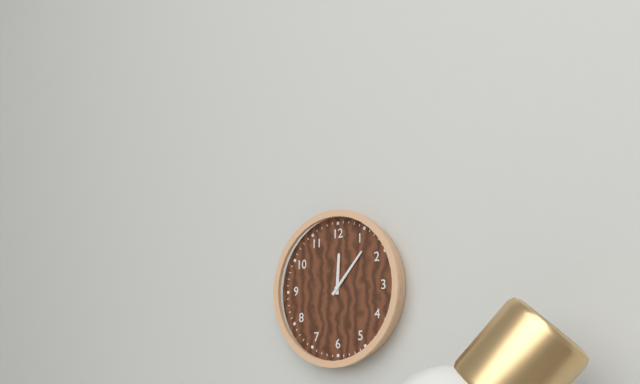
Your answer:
12 h 07 min
